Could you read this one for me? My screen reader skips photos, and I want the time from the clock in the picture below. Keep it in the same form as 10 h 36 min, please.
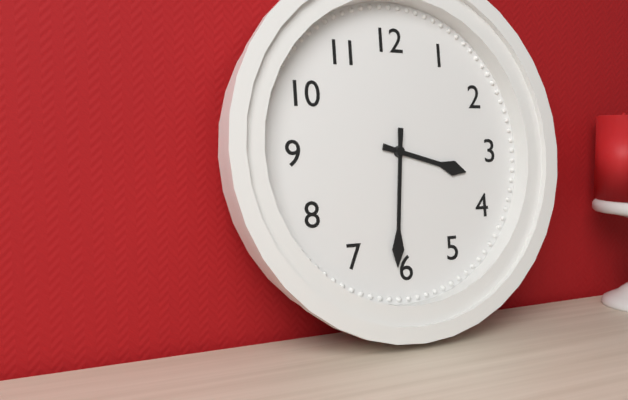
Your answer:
3 h 31 min
